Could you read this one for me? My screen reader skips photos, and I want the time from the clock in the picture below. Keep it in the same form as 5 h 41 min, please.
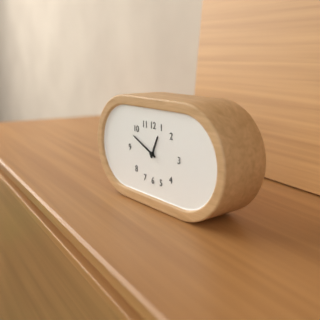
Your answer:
12 h 49 min
